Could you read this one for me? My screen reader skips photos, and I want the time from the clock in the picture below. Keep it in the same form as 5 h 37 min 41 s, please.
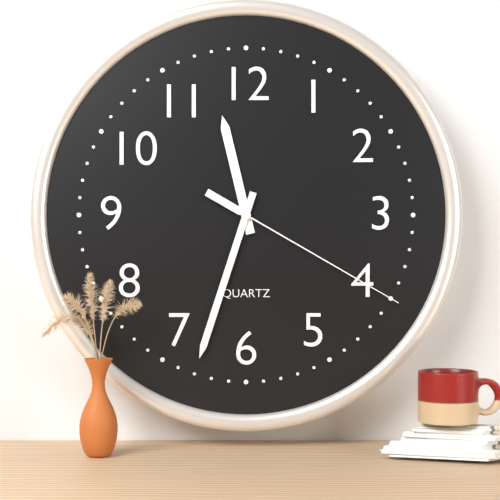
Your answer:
11 h 33 min 20 s
